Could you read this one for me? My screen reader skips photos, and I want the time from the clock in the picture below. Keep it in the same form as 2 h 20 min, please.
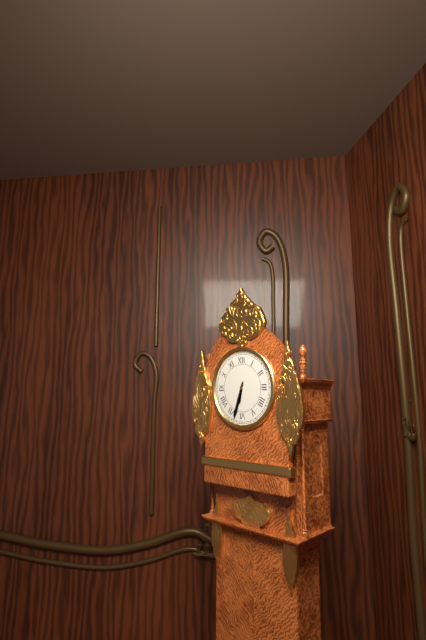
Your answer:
6 h 33 min
